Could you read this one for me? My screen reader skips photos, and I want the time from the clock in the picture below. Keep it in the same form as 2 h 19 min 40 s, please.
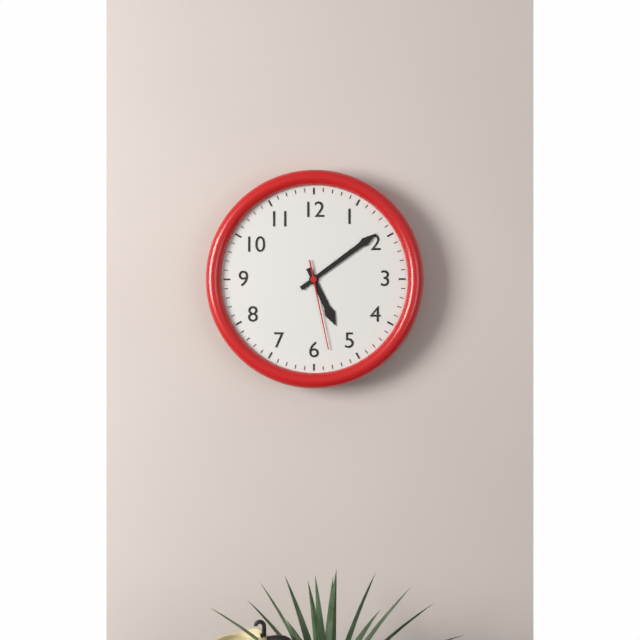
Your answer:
5 h 09 min 28 s
